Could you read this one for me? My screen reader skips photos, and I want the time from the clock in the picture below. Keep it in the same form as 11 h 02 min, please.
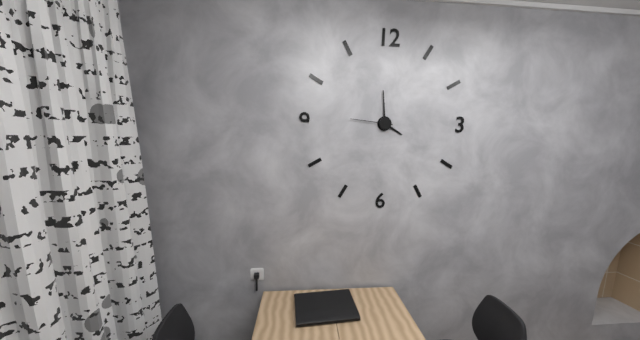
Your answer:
3 h 59 min
